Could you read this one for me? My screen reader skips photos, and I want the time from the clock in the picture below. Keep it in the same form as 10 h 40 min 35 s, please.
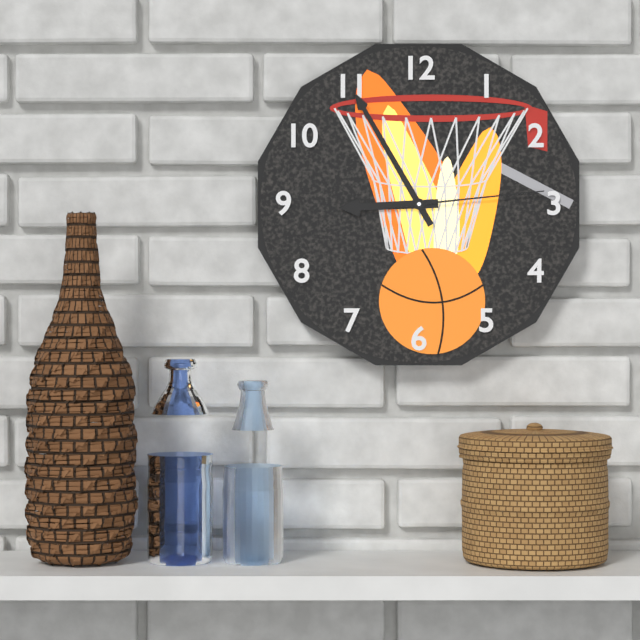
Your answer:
8 h 55 min 14 s
